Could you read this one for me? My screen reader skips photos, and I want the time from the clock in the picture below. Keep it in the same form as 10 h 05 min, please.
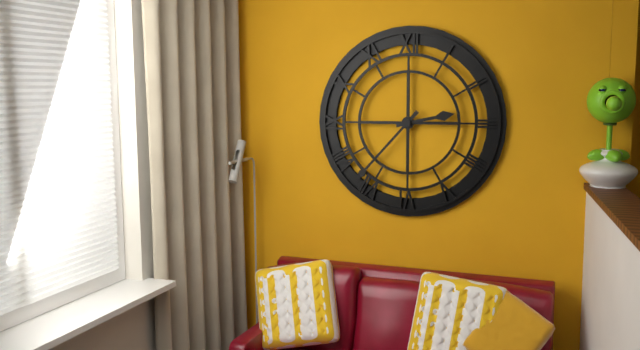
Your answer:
2 h 37 min
